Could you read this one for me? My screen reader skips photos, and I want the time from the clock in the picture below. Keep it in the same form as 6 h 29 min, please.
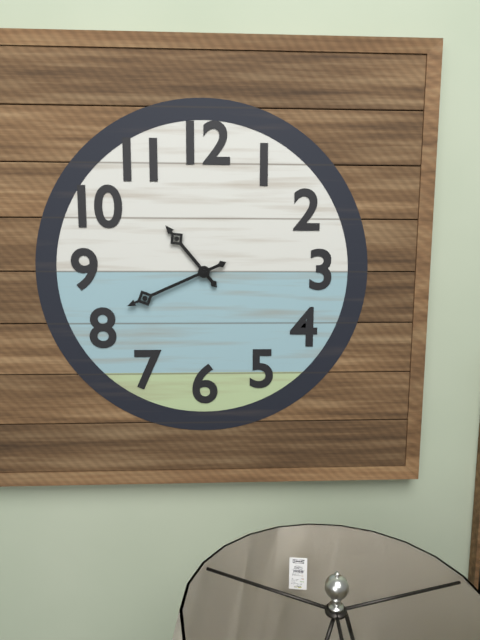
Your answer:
10 h 41 min
